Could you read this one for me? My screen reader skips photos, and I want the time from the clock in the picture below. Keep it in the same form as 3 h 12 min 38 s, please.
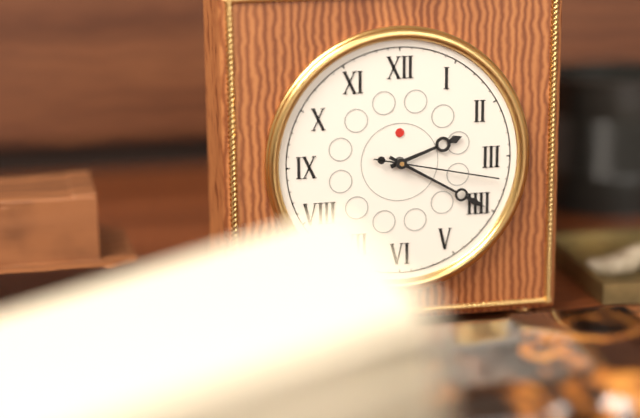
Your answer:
2 h 20 min 17 s
